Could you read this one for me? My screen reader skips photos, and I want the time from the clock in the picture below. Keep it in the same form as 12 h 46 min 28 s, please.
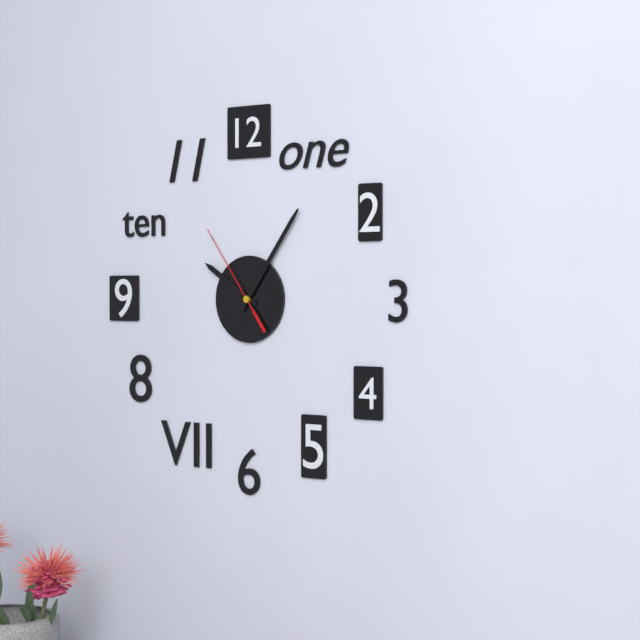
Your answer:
10 h 06 min 54 s
